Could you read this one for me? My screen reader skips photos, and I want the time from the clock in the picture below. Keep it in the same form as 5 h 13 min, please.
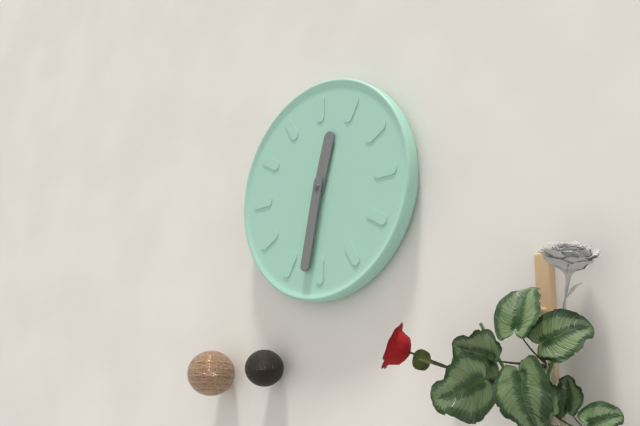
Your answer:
12 h 32 min
